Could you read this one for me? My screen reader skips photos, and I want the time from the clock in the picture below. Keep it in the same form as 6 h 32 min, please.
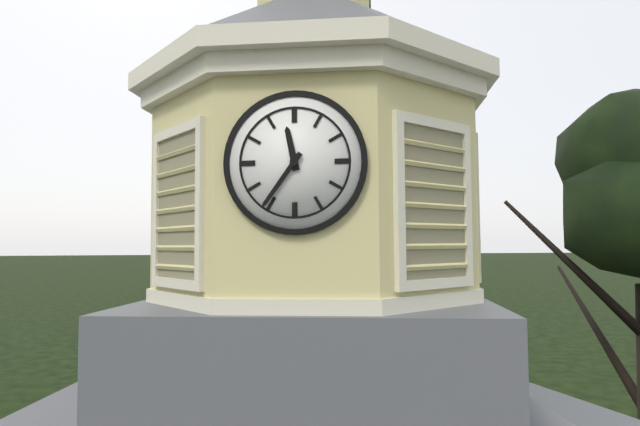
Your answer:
11 h 36 min
